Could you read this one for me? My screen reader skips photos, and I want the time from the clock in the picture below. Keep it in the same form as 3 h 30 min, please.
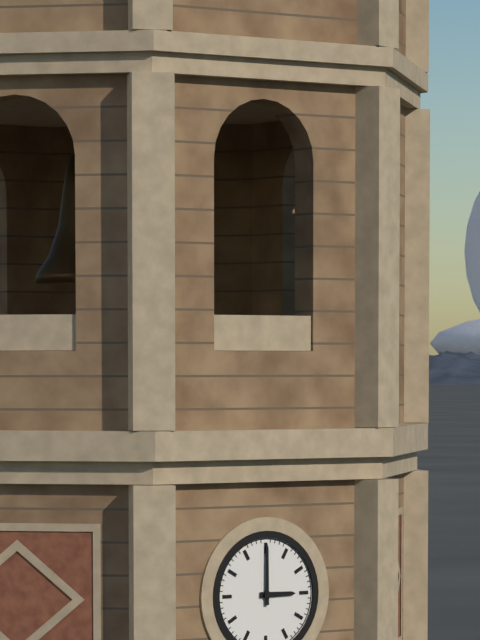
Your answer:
3 h 00 min
